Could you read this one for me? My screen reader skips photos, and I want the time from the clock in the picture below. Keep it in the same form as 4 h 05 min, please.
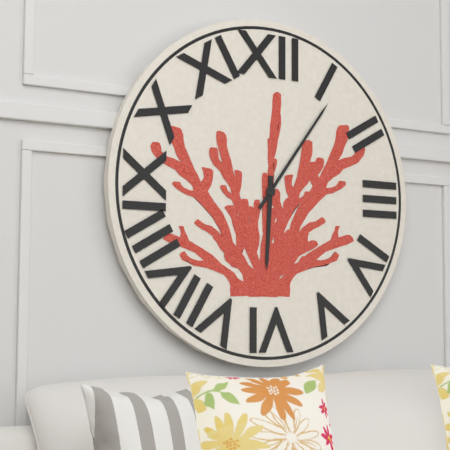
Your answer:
6 h 06 min
